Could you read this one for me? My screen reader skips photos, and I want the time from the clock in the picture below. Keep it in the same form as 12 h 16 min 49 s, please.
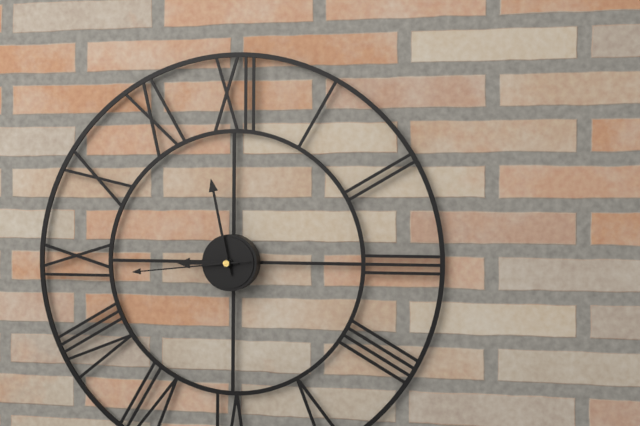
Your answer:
8 h 58 min 44 s
